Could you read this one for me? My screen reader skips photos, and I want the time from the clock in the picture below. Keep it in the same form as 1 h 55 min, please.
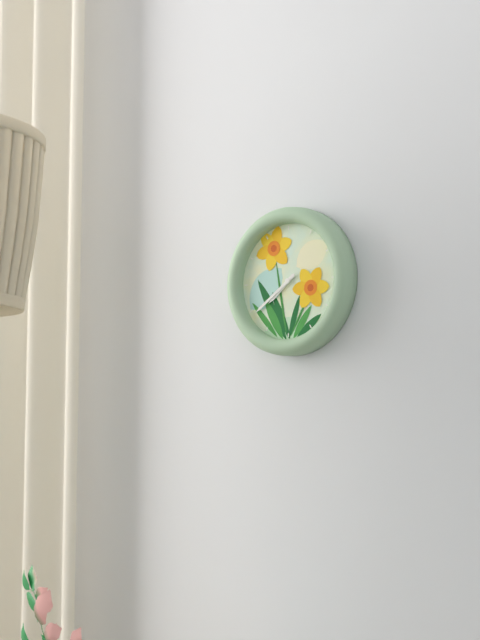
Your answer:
7 h 39 min
